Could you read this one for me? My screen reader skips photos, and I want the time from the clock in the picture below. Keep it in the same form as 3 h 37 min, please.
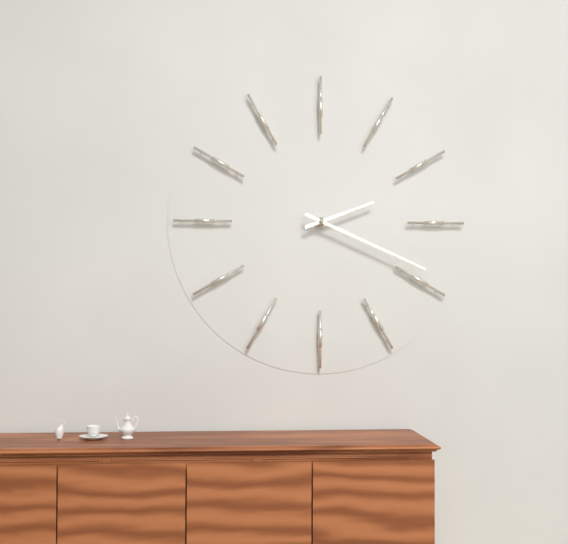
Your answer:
2 h 19 min
